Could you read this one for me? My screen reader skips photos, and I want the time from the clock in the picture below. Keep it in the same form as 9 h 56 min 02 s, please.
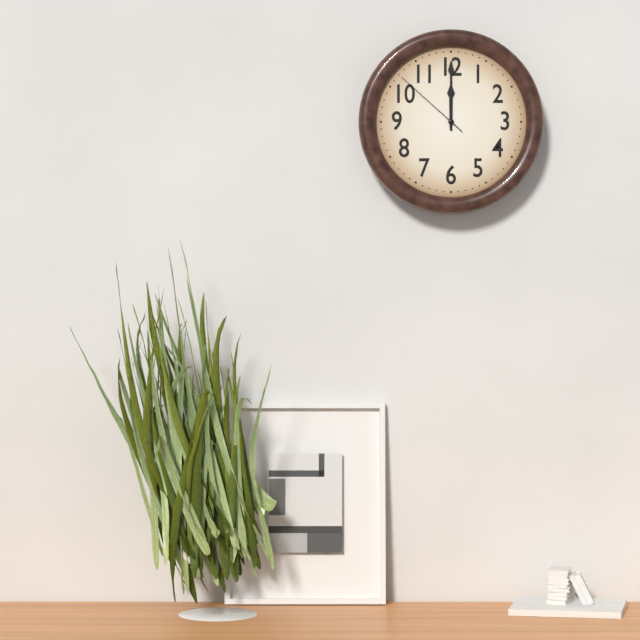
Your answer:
12 h 00 min 52 s
